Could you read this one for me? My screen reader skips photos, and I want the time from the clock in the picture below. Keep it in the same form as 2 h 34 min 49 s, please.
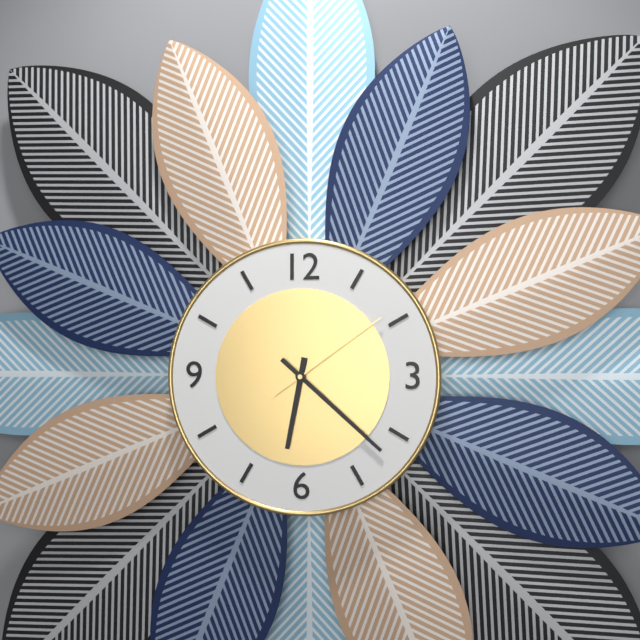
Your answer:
6 h 22 min 09 s
